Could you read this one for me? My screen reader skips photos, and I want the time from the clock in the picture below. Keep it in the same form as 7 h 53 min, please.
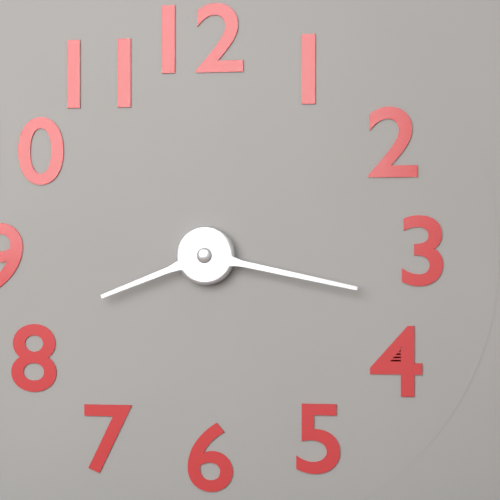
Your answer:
8 h 17 min
